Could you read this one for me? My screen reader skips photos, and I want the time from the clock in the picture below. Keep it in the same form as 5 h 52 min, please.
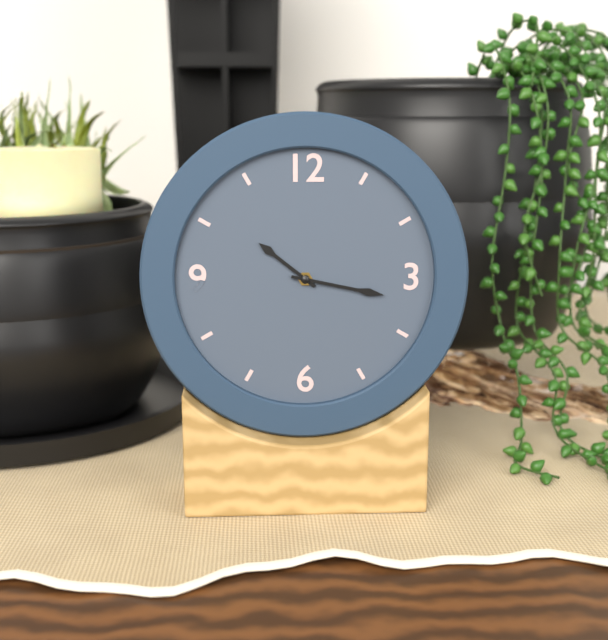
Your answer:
10 h 17 min
